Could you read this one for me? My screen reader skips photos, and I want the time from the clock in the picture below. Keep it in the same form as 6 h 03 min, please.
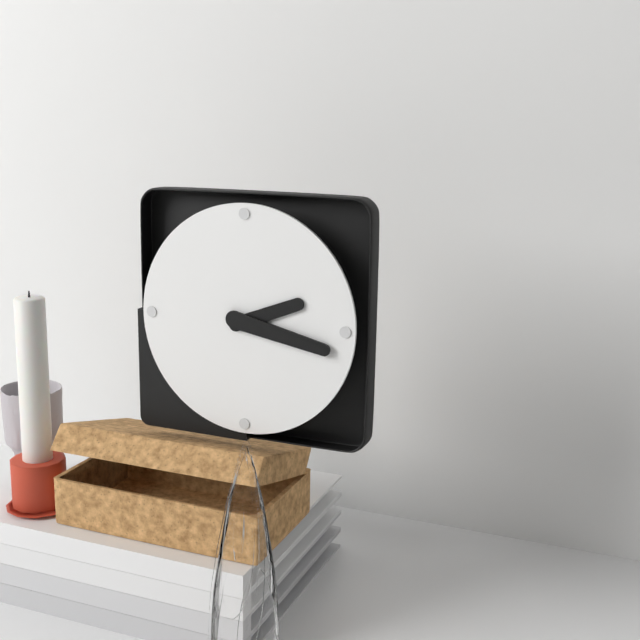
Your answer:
2 h 17 min
